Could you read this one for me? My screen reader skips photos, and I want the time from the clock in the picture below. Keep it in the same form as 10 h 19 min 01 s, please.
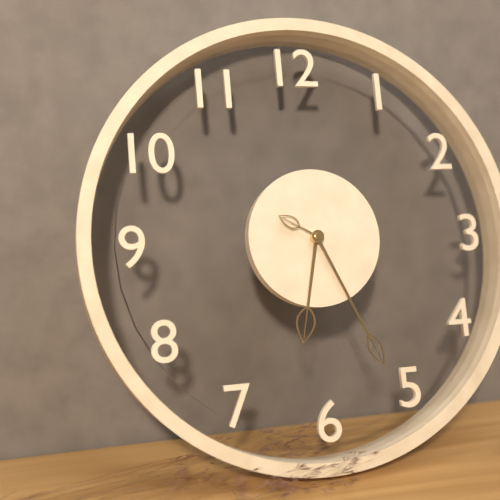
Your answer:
6 h 26 min 50 s
